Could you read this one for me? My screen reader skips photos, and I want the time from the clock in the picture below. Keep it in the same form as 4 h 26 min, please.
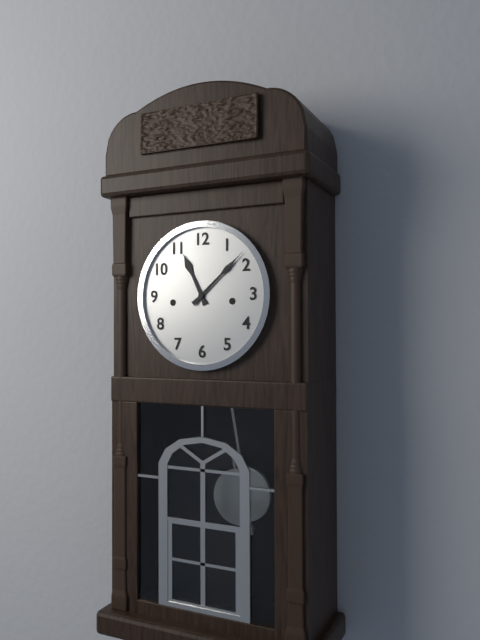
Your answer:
11 h 08 min
